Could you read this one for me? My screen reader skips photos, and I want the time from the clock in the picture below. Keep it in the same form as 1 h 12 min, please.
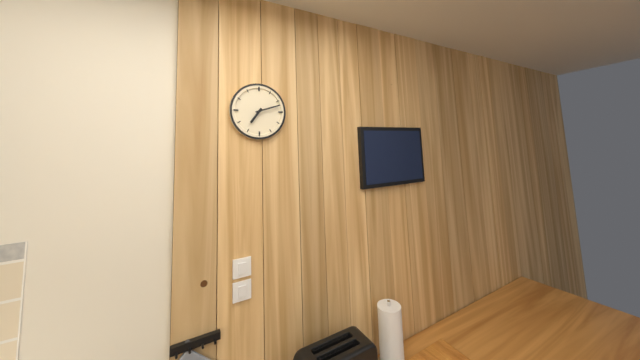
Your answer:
7 h 12 min
